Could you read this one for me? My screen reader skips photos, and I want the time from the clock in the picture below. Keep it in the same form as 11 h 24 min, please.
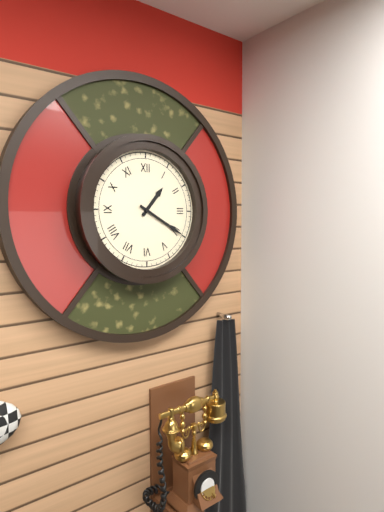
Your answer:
1 h 20 min
